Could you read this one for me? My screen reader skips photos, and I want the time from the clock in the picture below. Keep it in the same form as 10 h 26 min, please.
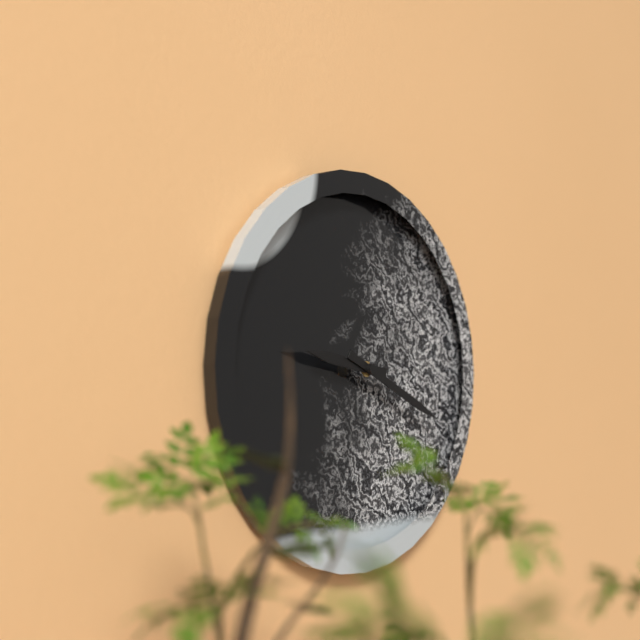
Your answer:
9 h 19 min
